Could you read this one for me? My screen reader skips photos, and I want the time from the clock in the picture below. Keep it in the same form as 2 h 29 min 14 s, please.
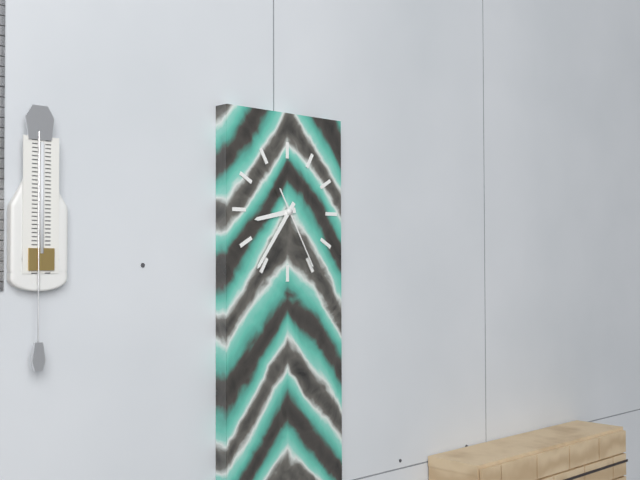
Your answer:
8 h 36 min 25 s
